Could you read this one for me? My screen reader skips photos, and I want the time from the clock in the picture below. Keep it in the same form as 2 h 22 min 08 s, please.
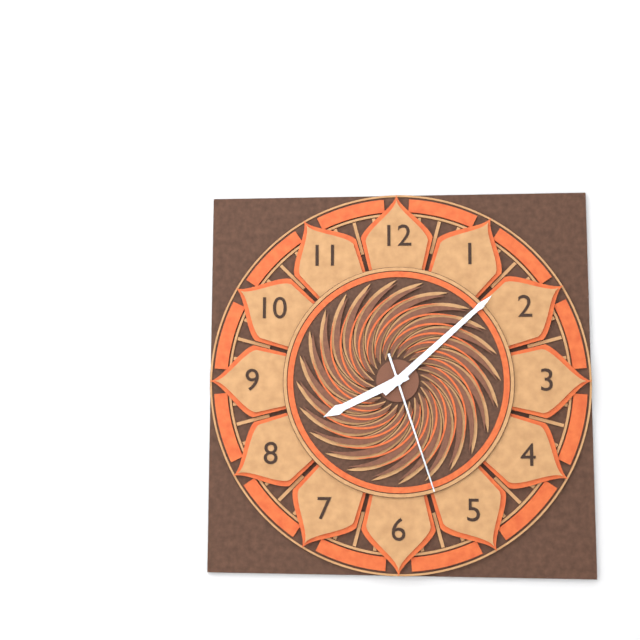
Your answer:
8 h 08 min 27 s
